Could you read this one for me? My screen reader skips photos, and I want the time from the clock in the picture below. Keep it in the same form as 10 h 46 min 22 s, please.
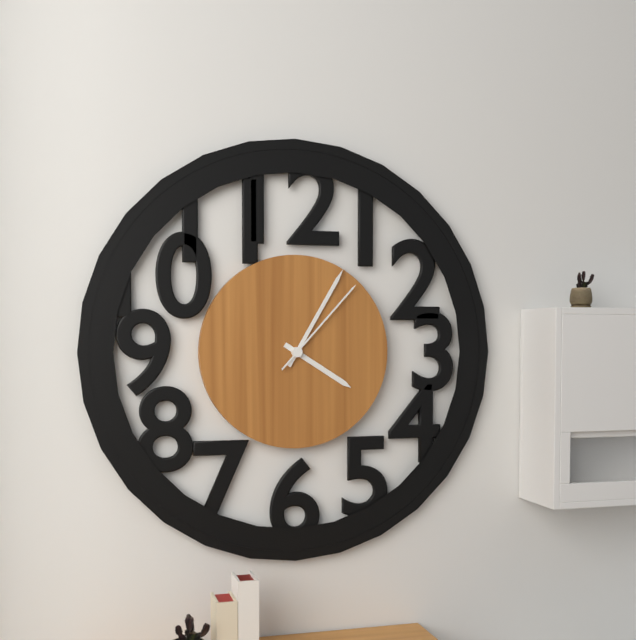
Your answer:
4 h 05 min 07 s
